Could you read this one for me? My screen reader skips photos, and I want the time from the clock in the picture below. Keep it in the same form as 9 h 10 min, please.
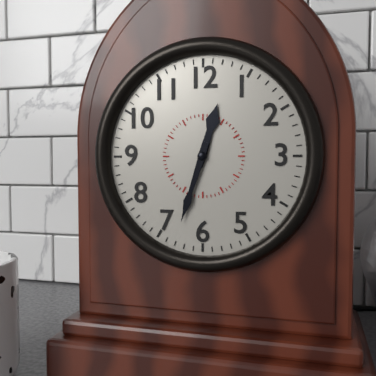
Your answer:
12 h 33 min
